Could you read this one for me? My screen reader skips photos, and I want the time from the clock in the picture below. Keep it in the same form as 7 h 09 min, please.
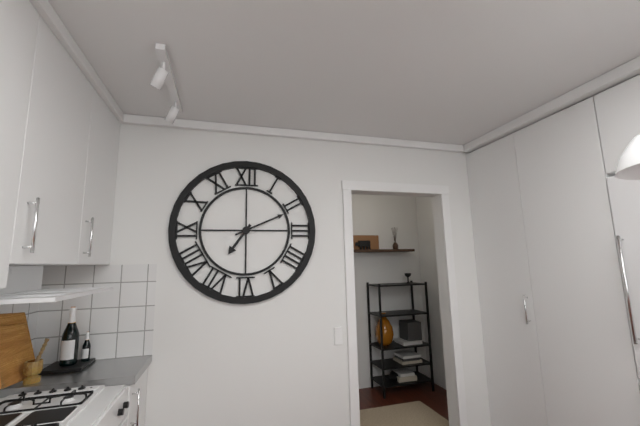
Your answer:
7 h 11 min
